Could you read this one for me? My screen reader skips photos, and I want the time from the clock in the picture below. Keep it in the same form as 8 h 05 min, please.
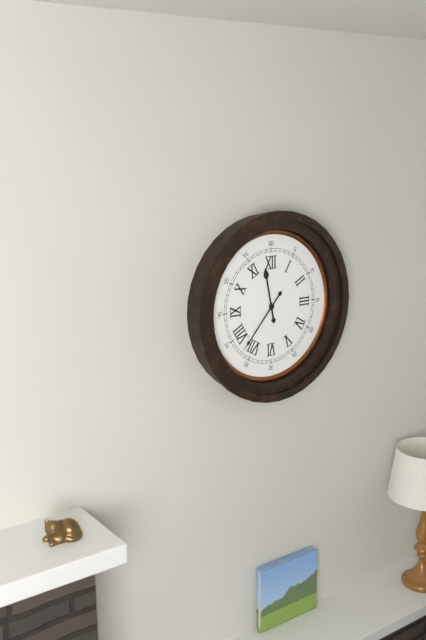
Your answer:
11 h 37 min
